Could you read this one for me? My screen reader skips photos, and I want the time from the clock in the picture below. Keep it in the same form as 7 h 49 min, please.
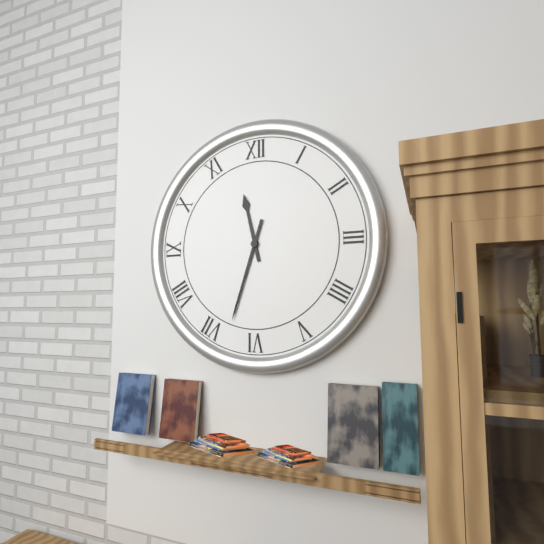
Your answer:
11 h 33 min
